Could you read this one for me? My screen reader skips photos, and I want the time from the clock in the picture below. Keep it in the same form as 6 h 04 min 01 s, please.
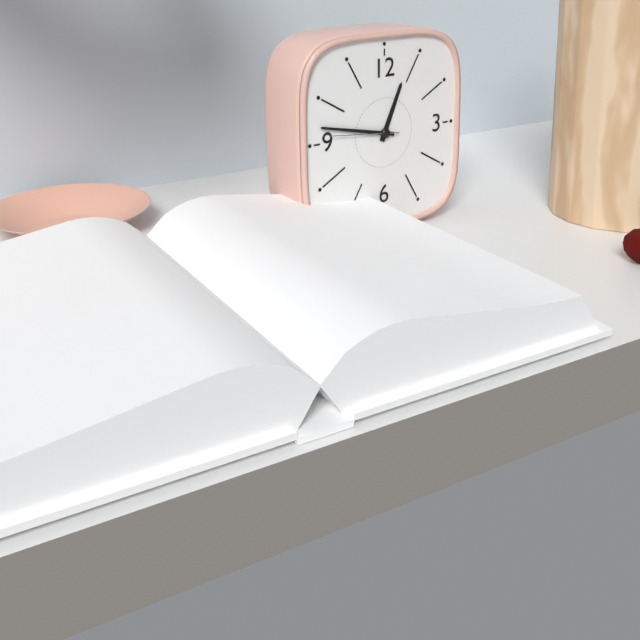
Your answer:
12 h 47 min 46 s
